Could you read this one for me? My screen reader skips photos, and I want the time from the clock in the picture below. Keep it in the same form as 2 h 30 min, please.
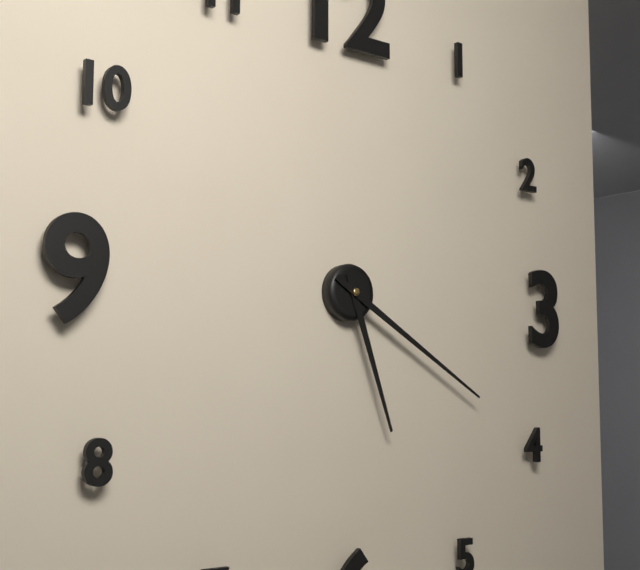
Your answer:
5 h 20 min
